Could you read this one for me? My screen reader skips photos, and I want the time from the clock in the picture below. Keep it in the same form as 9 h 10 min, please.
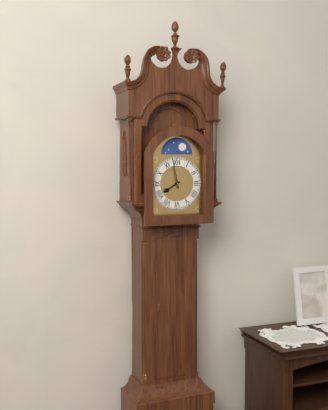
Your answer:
7 h 58 min
